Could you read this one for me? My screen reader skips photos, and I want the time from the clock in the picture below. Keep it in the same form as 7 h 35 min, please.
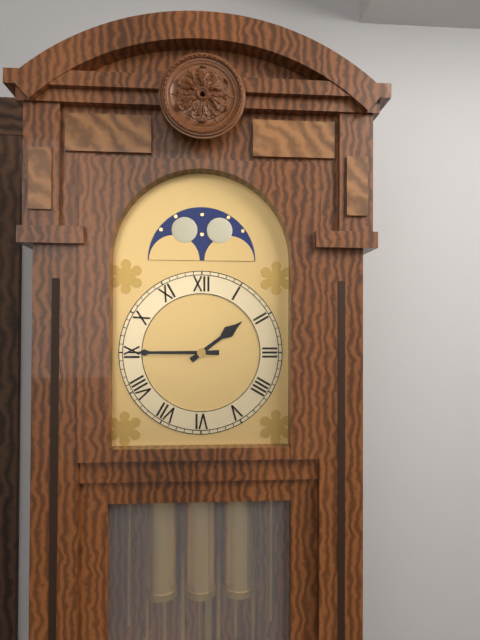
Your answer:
1 h 45 min
